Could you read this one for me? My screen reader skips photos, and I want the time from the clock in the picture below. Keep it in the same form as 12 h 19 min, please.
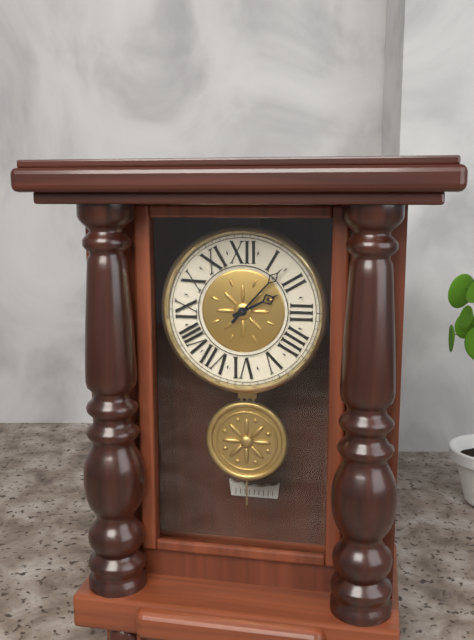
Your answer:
2 h 07 min
